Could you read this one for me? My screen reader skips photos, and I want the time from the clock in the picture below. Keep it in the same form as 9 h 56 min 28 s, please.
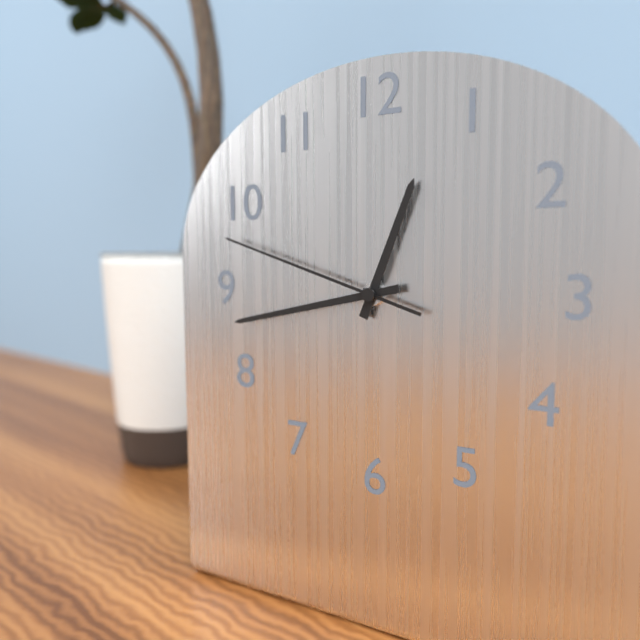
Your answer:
12 h 43 min 48 s
